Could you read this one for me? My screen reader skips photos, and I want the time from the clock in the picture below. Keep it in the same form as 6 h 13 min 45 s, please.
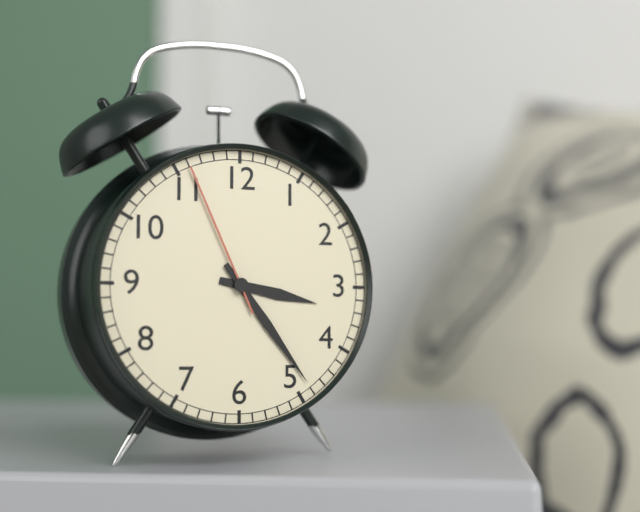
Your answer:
3 h 24 min 56 s
